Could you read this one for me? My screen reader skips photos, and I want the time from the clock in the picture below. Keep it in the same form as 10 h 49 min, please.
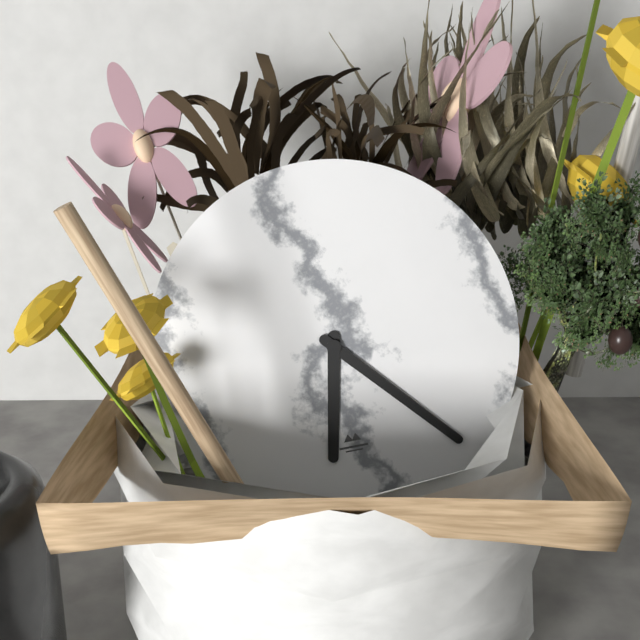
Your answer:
6 h 23 min
